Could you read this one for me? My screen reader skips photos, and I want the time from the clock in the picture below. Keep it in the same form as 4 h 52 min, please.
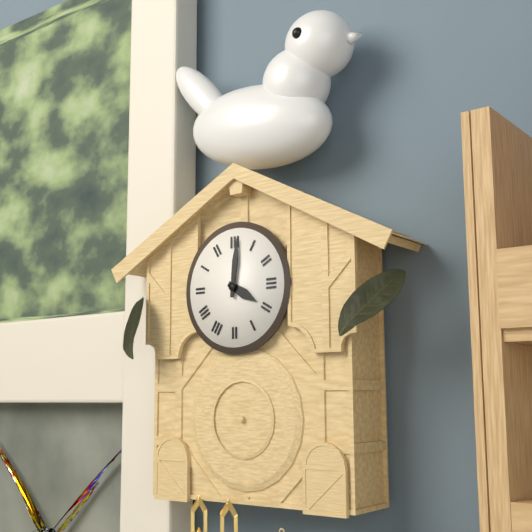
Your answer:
4 h 01 min
